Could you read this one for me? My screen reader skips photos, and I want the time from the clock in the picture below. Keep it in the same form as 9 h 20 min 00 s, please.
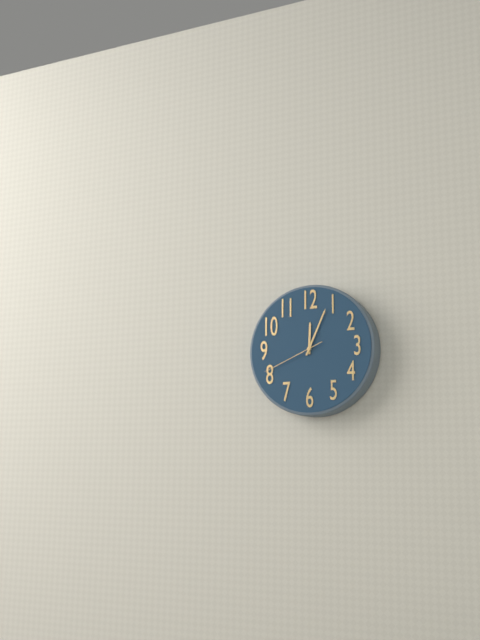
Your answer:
12 h 04 min 41 s
